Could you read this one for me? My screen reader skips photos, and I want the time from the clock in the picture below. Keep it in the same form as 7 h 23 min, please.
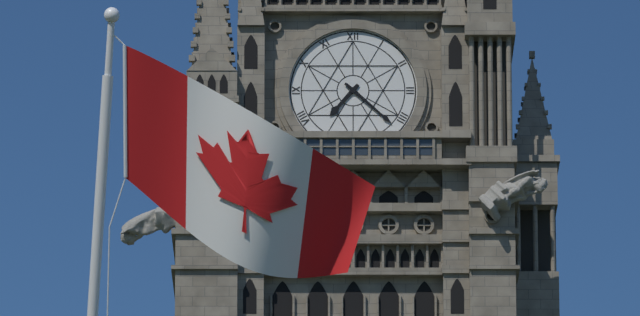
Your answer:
7 h 22 min
